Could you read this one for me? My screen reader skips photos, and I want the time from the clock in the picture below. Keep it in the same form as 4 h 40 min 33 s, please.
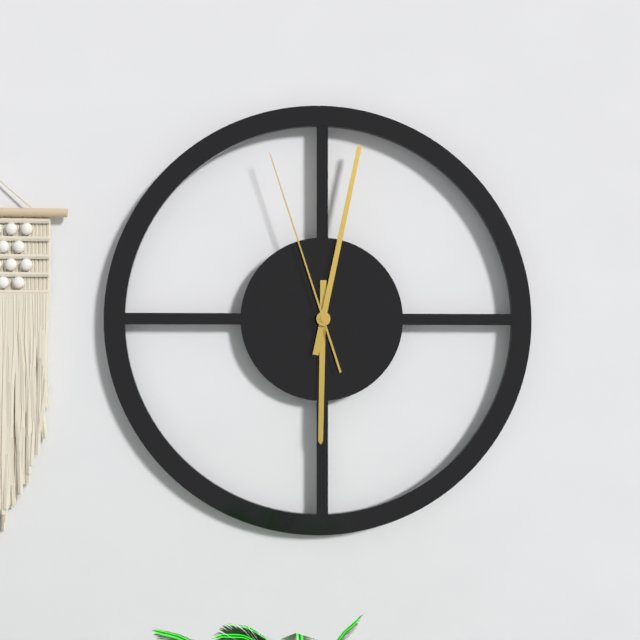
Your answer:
6 h 02 min 57 s
